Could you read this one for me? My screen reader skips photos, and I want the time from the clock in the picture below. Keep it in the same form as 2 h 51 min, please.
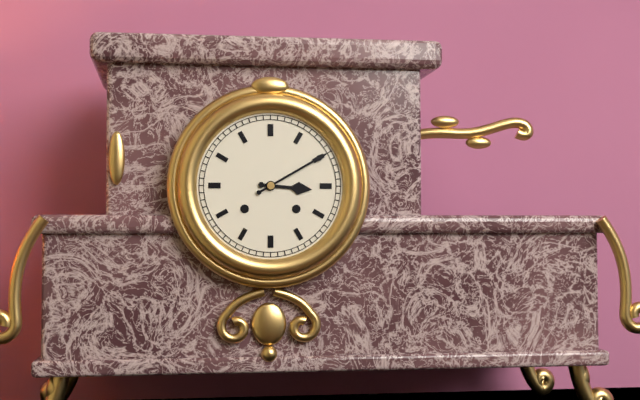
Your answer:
3 h 10 min
